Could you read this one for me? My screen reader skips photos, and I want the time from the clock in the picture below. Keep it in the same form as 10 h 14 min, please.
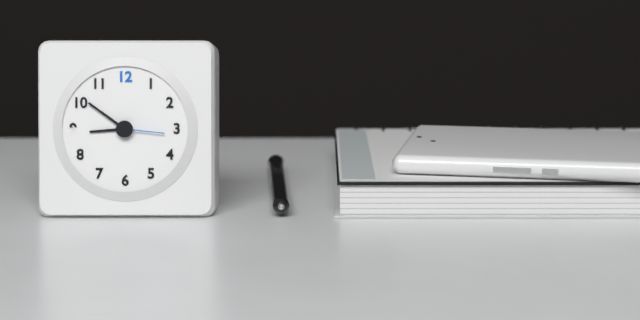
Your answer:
8 h 51 min
